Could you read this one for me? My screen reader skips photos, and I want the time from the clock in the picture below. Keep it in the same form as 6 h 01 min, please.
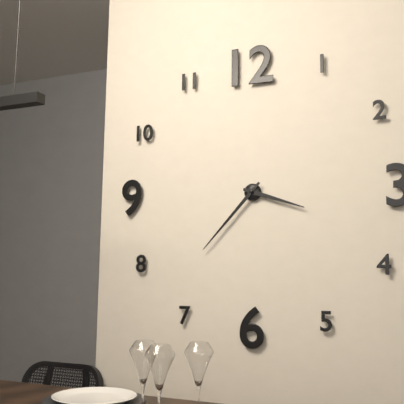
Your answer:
3 h 37 min
